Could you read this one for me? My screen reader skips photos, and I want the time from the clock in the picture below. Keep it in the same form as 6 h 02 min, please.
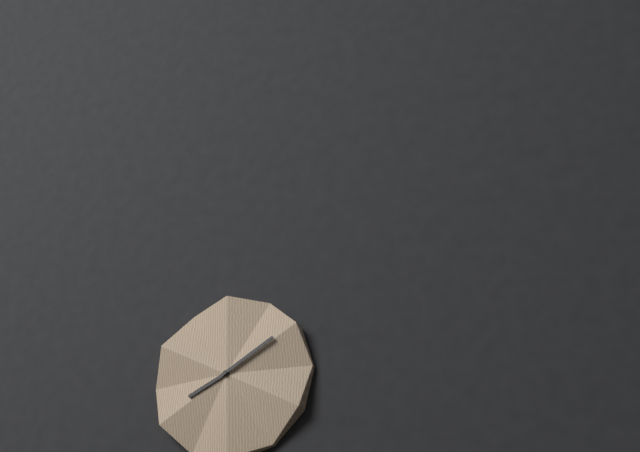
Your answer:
8 h 10 min
